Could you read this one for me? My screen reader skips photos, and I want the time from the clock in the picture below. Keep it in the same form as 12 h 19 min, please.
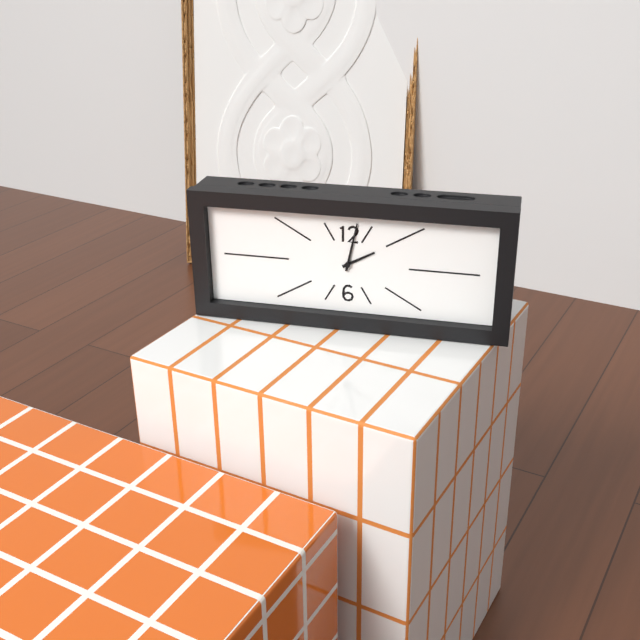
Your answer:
2 h 02 min
